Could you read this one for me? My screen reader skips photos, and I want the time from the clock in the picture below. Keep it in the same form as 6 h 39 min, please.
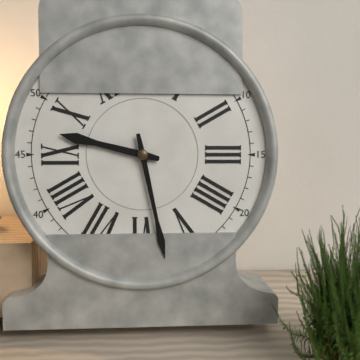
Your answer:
9 h 28 min
